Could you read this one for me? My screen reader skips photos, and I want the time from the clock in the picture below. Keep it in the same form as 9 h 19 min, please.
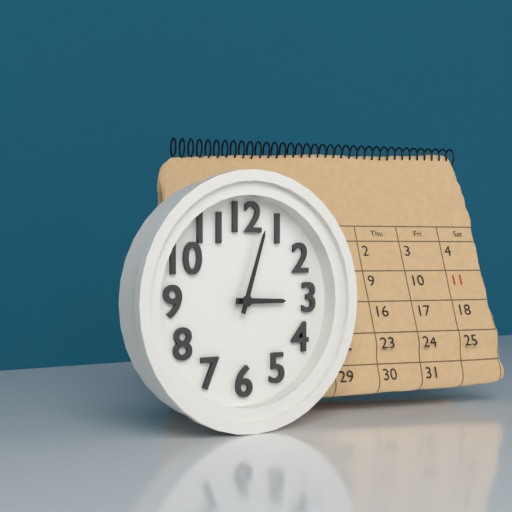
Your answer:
3 h 03 min
